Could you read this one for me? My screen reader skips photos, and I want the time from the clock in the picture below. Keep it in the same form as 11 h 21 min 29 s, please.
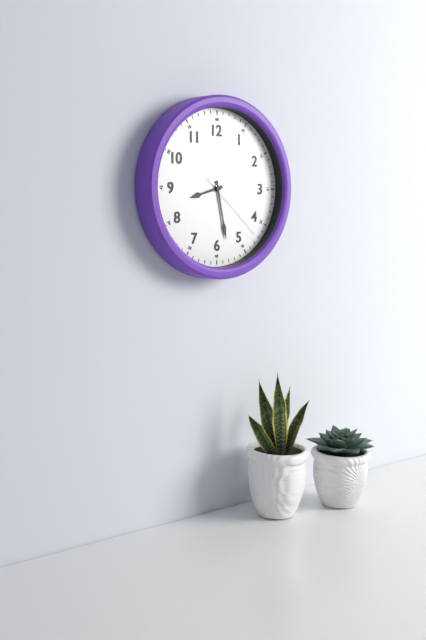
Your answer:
8 h 28 min 22 s
